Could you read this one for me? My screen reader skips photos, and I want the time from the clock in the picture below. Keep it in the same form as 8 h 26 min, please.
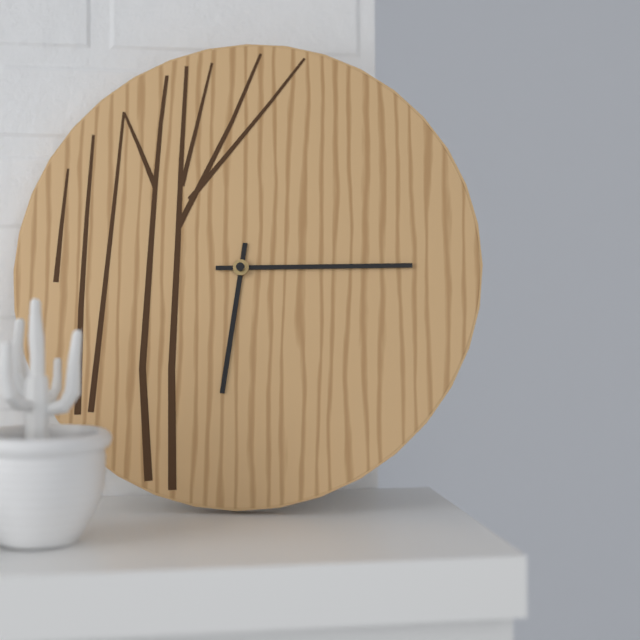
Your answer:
6 h 15 min
